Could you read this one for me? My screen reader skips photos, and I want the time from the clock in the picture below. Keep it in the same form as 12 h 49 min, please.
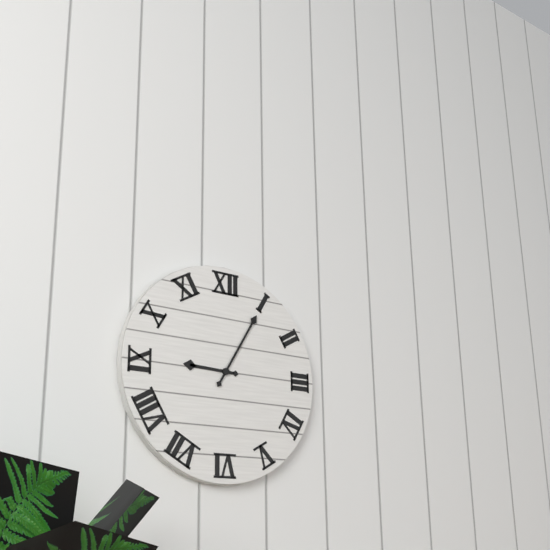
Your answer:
9 h 05 min
